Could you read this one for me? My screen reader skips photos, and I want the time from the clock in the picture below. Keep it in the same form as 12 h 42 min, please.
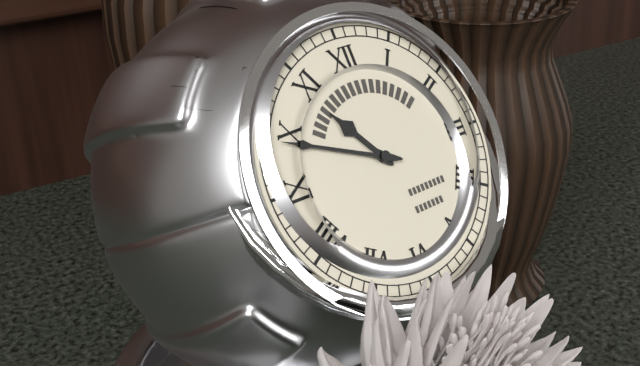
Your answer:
10 h 49 min
